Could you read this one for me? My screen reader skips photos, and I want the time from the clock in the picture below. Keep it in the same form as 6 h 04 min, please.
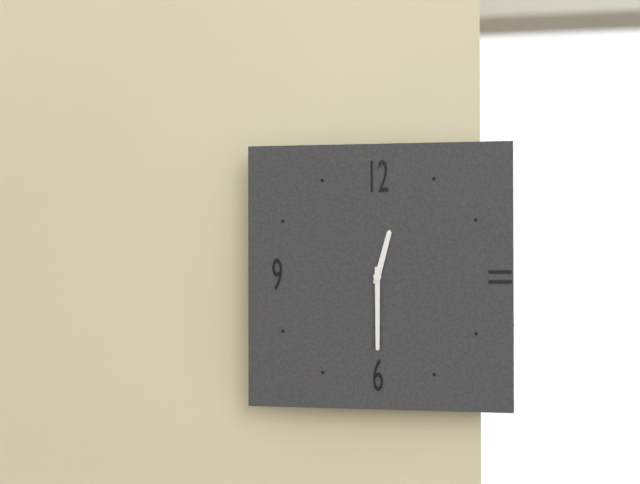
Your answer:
12 h 30 min
